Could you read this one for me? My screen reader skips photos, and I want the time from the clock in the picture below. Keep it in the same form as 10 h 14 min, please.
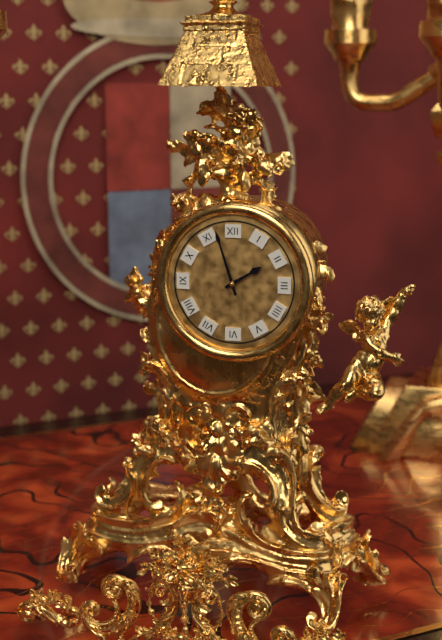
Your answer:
1 h 57 min
